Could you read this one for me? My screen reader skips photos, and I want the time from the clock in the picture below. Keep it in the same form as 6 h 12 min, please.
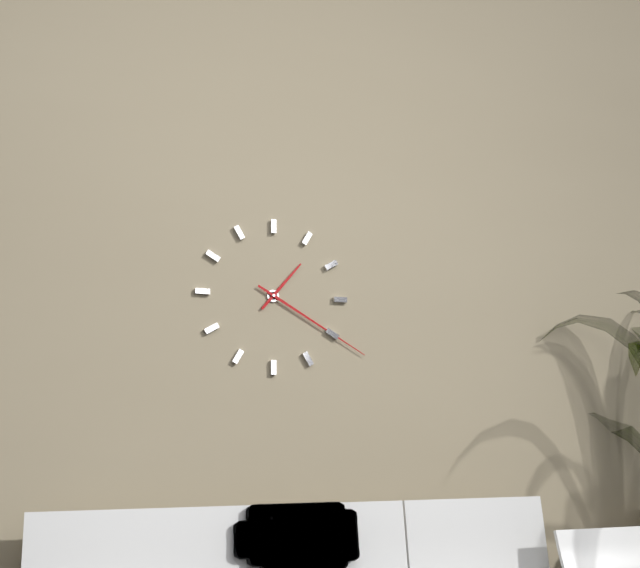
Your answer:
1 h 20 min
